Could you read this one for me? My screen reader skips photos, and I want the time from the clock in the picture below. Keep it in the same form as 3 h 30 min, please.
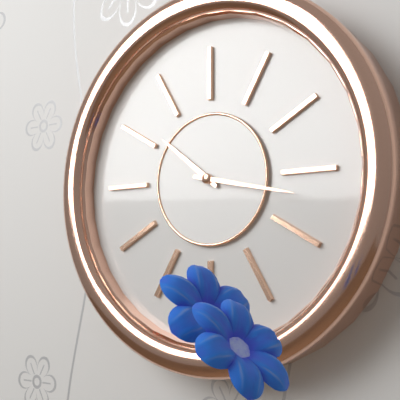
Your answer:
10 h 17 min
